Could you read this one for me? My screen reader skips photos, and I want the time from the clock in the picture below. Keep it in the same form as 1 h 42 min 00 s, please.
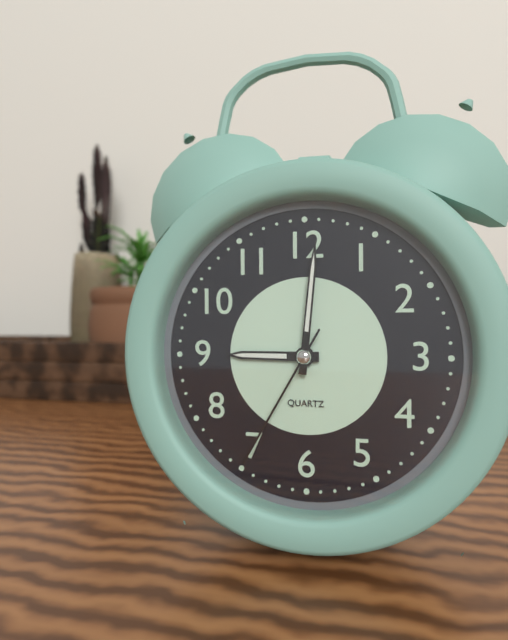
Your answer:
9 h 01 min 35 s
